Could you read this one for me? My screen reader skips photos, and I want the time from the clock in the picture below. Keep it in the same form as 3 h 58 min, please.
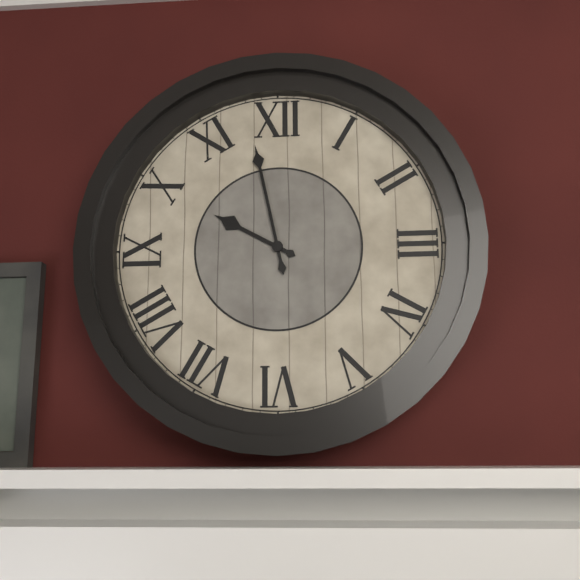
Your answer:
9 h 58 min
